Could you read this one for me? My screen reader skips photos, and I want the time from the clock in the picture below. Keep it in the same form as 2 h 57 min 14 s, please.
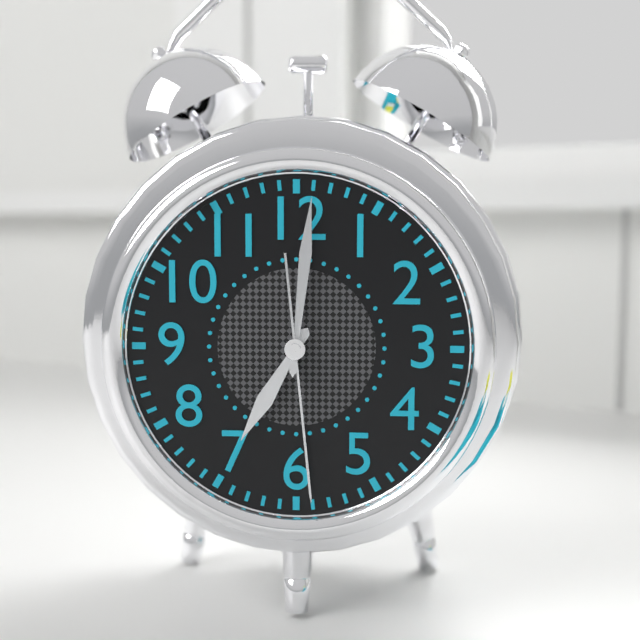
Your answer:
7 h 01 min 29 s
